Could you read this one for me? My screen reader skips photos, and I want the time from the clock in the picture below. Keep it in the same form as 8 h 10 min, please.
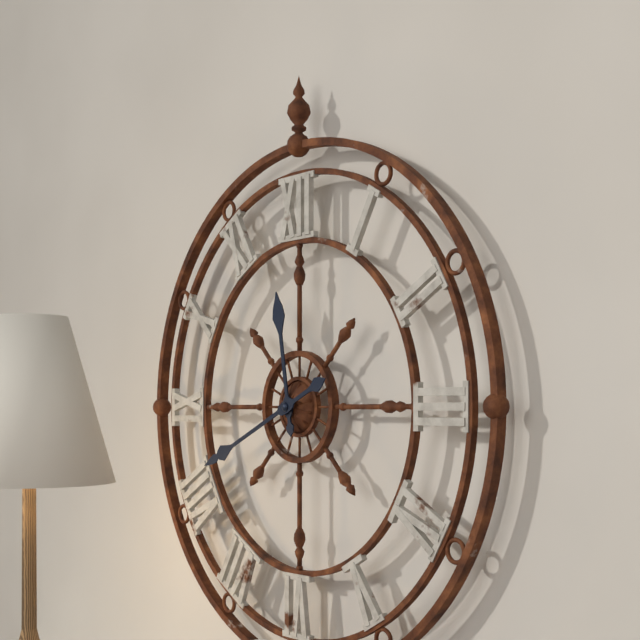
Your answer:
11 h 41 min
